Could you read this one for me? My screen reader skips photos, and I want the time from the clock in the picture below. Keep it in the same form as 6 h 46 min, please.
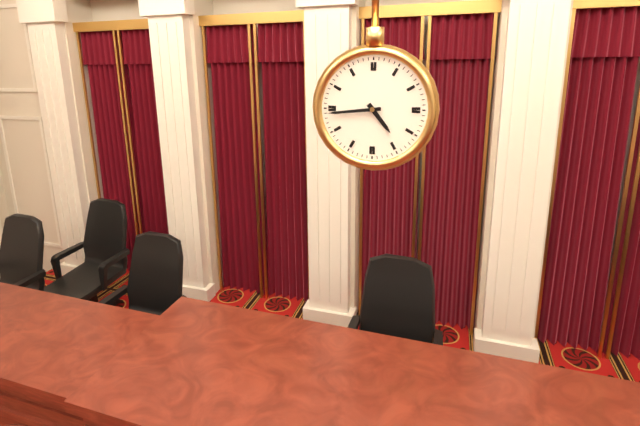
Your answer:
4 h 44 min
